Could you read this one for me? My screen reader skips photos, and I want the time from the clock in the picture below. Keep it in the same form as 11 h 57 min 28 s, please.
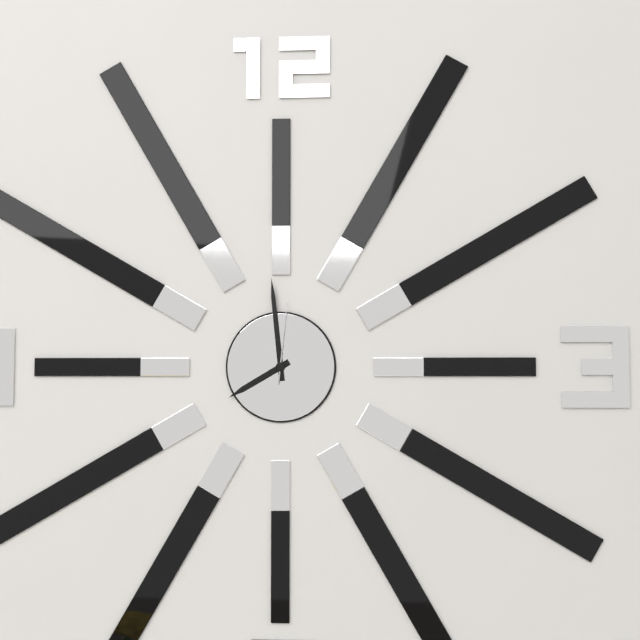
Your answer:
7 h 59 min 01 s
